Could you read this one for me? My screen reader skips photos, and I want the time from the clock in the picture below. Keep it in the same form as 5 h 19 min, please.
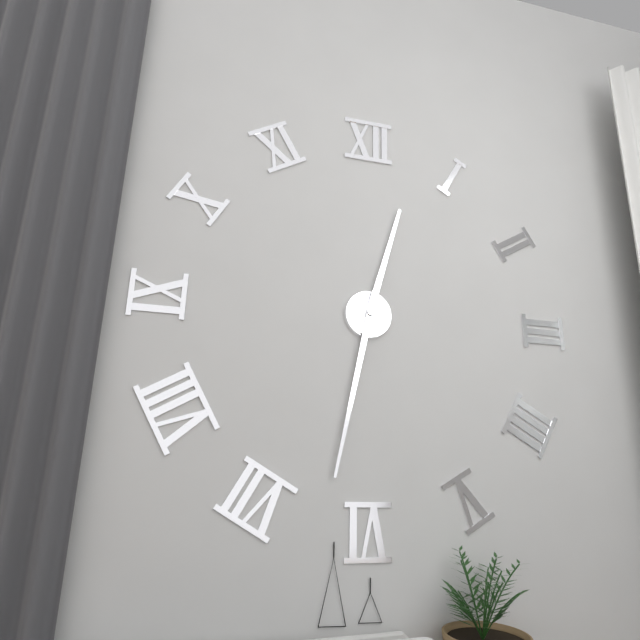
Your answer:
12 h 32 min
